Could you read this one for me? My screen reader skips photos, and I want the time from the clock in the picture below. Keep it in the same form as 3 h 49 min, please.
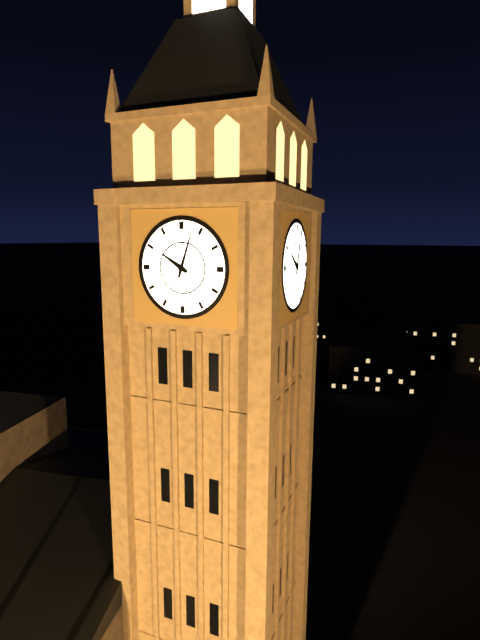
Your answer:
10 h 03 min
